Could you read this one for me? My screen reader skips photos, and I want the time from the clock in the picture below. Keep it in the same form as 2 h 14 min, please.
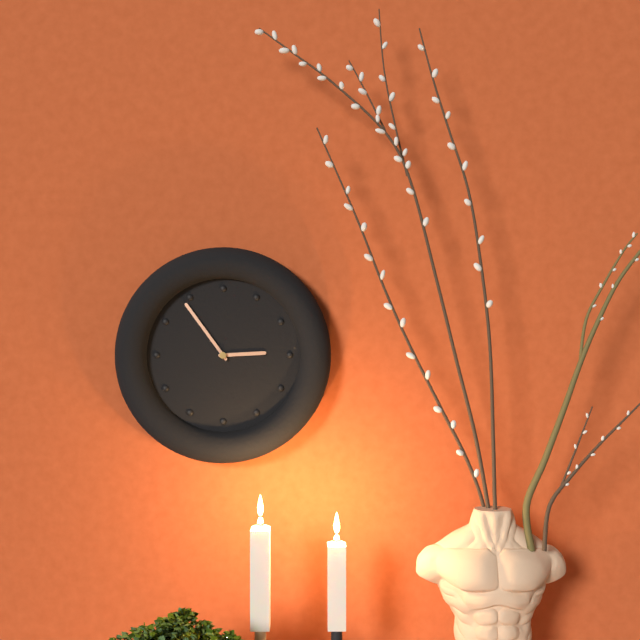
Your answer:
2 h 54 min
